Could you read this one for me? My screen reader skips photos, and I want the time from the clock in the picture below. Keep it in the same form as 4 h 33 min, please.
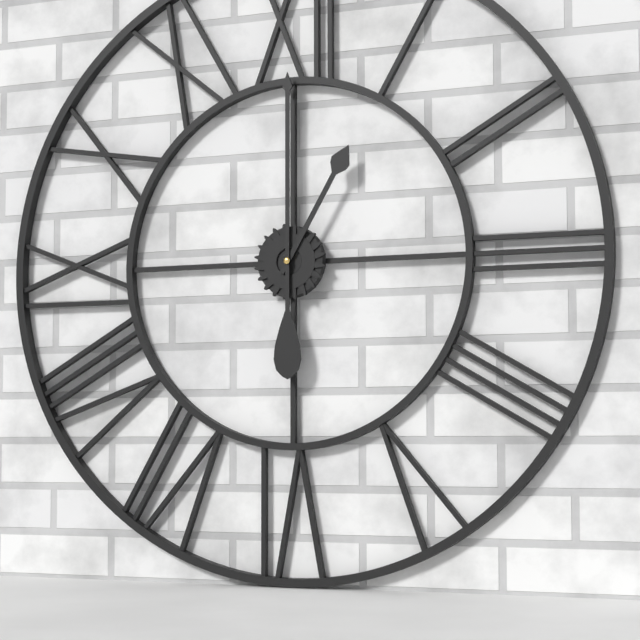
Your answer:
1 h 00 min
